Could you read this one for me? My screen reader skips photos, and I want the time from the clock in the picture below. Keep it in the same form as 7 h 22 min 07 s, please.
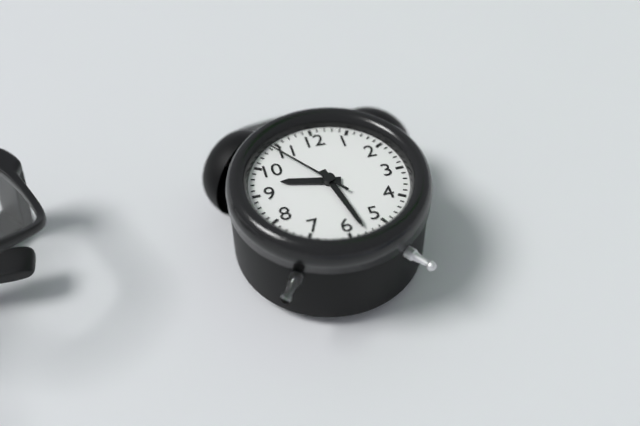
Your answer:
9 h 28 min 54 s
